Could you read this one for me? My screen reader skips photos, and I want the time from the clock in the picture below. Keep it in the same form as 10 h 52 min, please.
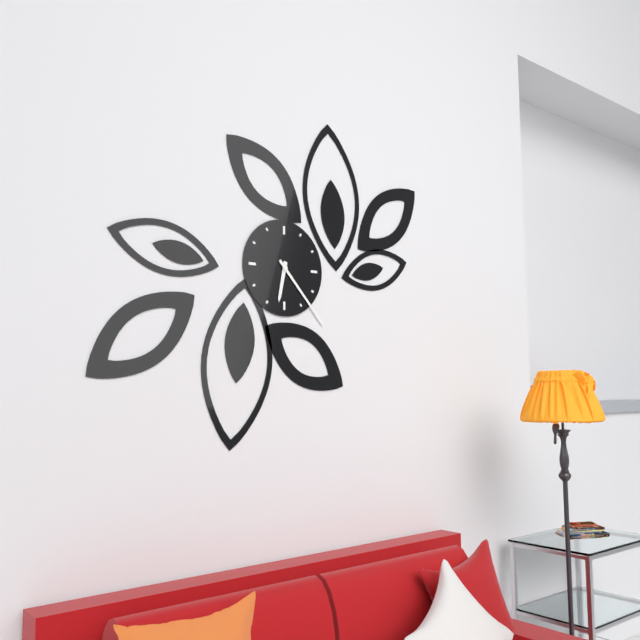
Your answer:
6 h 23 min
